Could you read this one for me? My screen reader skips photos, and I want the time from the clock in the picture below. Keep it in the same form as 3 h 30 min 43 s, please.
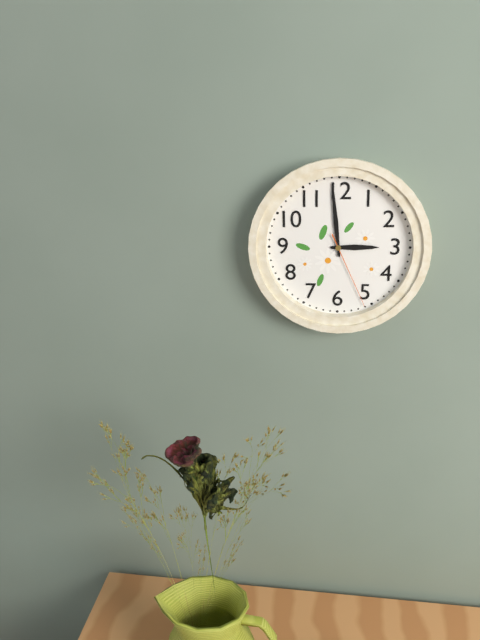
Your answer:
2 h 59 min 26 s
